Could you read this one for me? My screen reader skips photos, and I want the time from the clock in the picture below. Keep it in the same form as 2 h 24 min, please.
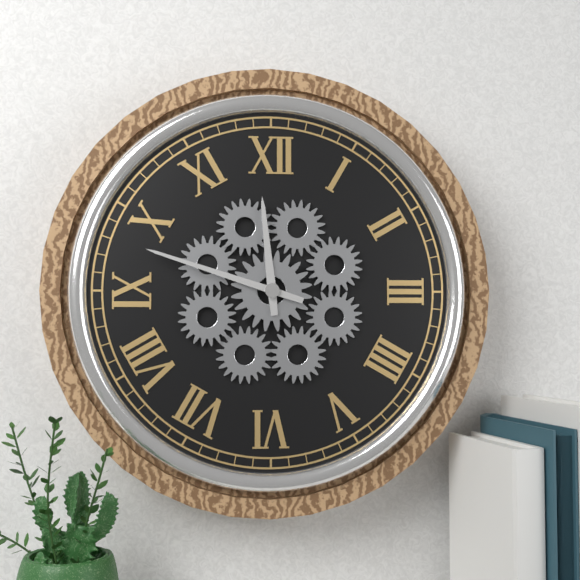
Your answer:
11 h 48 min
